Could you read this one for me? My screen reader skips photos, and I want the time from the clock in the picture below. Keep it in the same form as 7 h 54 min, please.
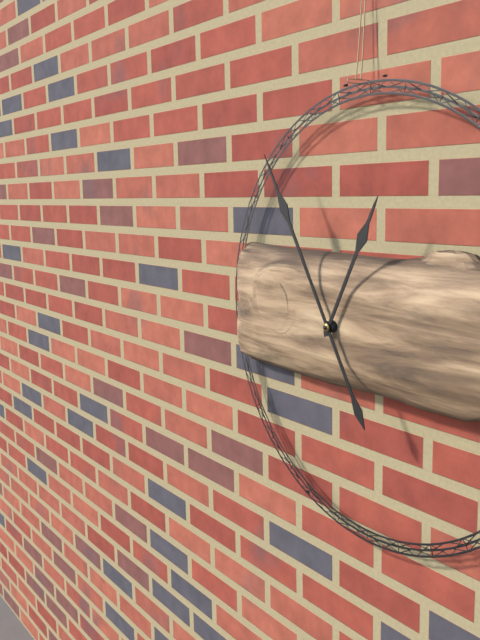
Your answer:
12 h 55 min
